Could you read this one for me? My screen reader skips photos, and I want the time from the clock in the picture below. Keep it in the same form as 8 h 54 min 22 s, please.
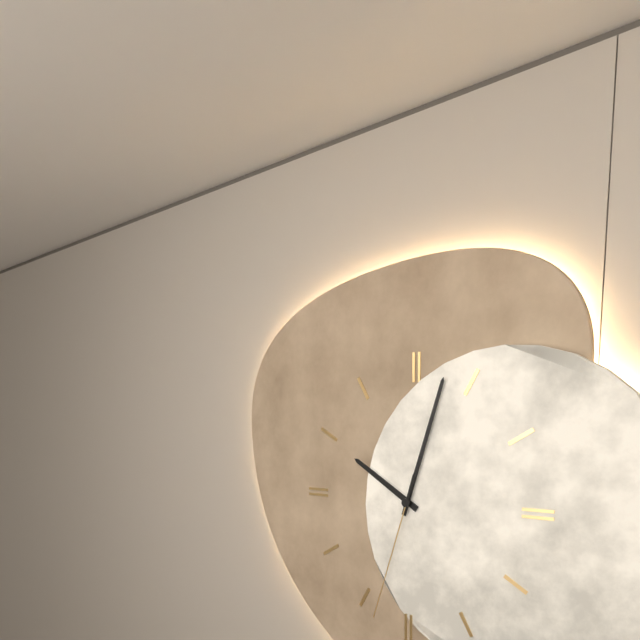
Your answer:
10 h 03 min 33 s
